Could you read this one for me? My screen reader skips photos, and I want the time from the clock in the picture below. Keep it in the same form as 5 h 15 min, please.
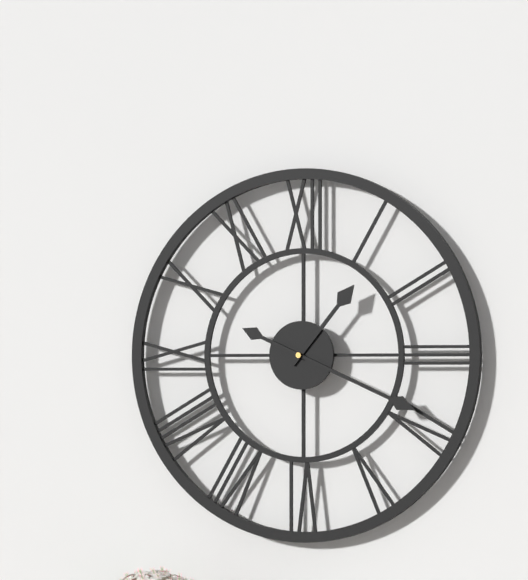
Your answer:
1 h 19 min
